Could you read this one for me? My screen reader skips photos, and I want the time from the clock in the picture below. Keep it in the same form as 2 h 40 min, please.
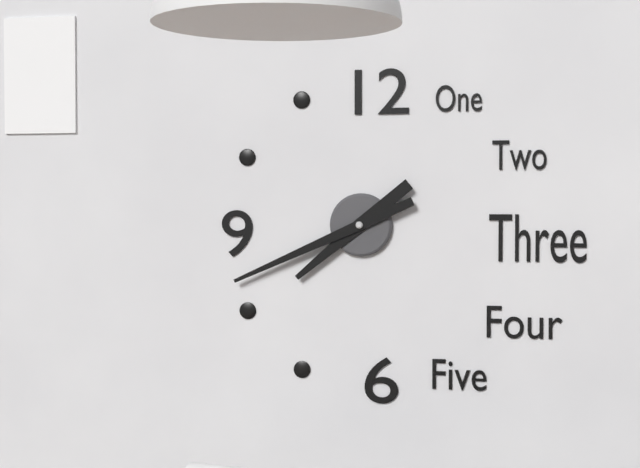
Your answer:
7 h 41 min
